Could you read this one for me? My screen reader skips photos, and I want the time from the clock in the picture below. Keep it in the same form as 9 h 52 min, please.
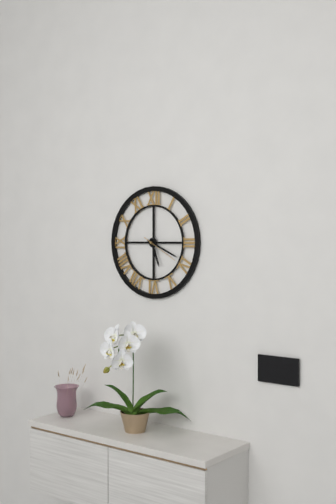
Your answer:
5 h 19 min
